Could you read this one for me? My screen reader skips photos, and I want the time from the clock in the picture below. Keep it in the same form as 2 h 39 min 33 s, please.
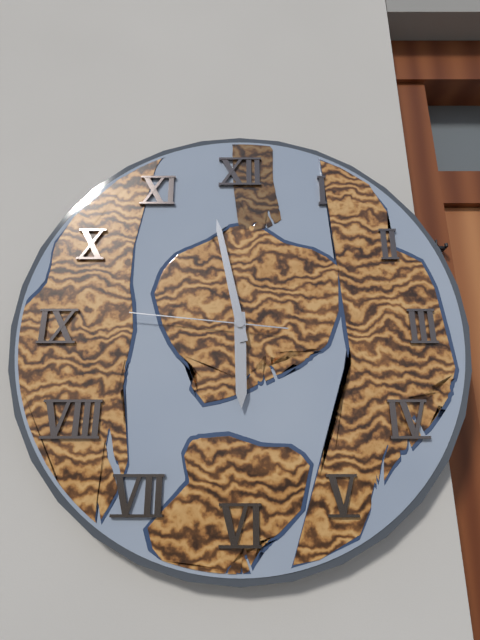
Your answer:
5 h 58 min 46 s
